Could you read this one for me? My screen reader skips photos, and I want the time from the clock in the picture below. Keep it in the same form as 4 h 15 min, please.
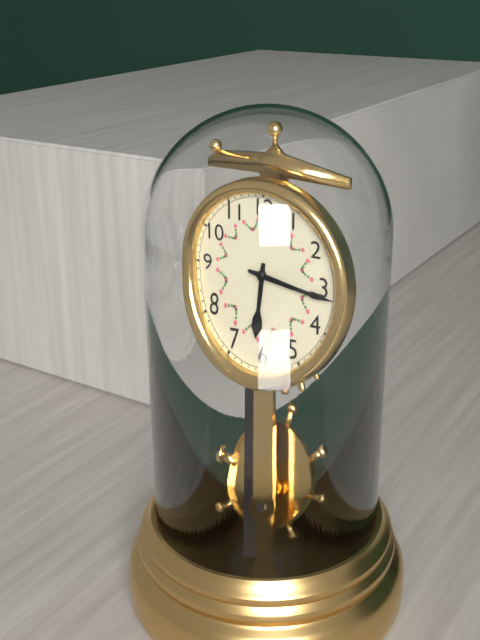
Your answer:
6 h 16 min
